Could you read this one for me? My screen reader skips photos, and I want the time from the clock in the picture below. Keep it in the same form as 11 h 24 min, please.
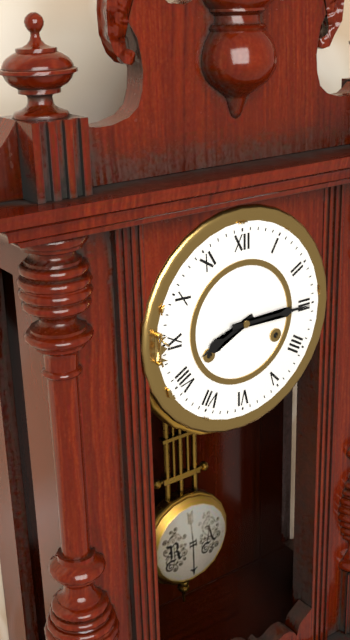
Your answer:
8 h 15 min
